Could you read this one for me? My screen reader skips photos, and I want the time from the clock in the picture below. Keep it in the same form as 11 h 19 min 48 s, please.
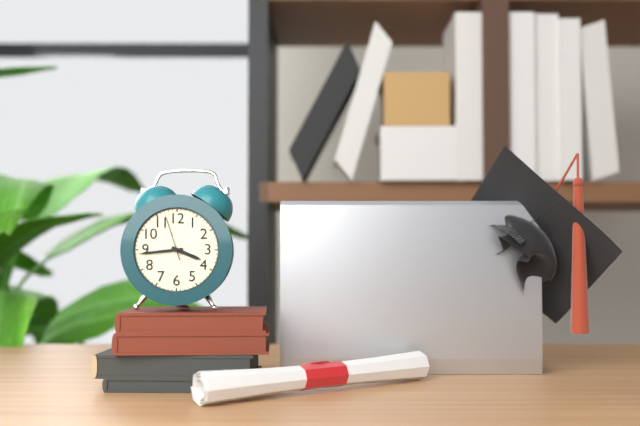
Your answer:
3 h 44 min 57 s
